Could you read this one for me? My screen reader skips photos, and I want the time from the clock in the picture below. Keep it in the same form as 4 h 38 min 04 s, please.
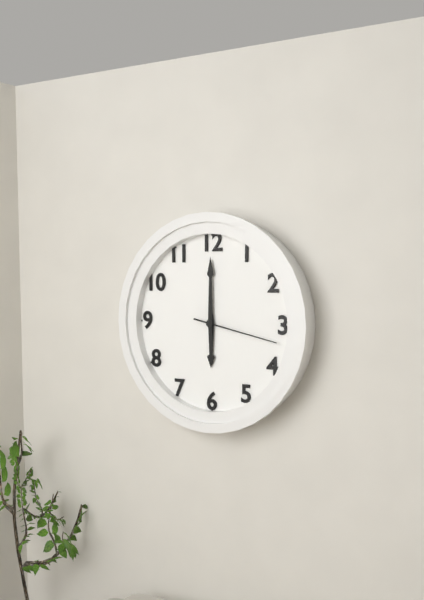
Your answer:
6 h 00 min 17 s
